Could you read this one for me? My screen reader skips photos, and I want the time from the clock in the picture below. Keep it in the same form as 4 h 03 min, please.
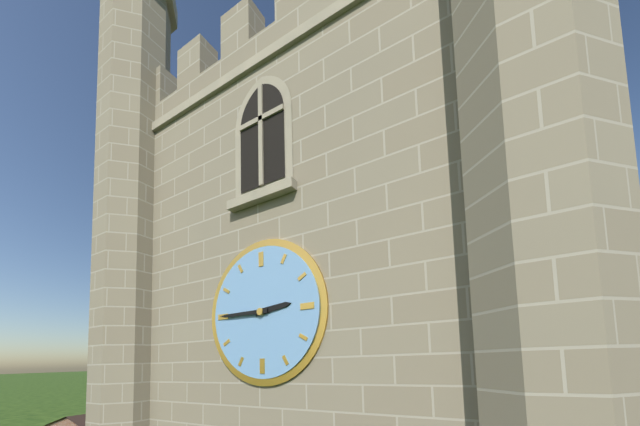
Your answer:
2 h 45 min
